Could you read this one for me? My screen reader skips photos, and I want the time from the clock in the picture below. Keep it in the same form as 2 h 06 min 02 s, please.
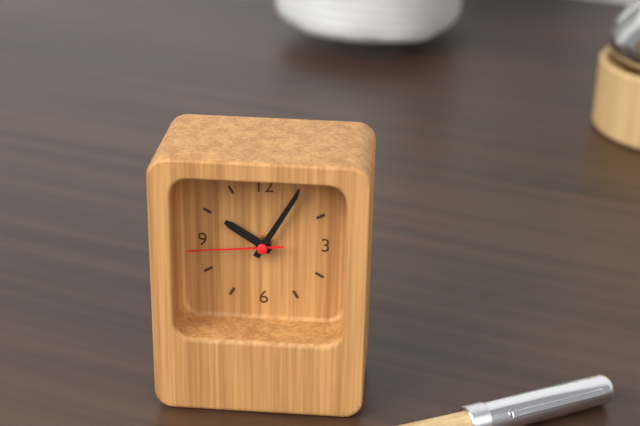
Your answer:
10 h 05 min 44 s
